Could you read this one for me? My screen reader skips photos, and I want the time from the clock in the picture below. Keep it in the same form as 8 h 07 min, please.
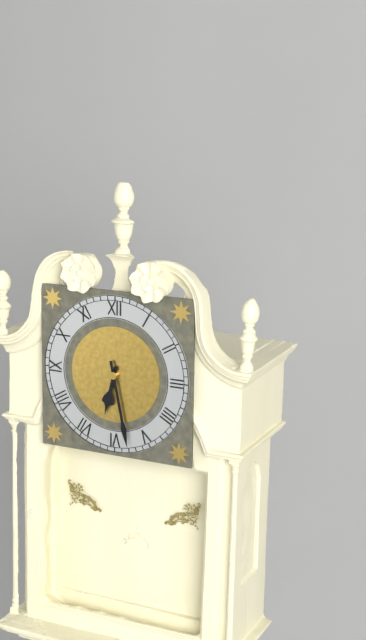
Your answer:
6 h 28 min
